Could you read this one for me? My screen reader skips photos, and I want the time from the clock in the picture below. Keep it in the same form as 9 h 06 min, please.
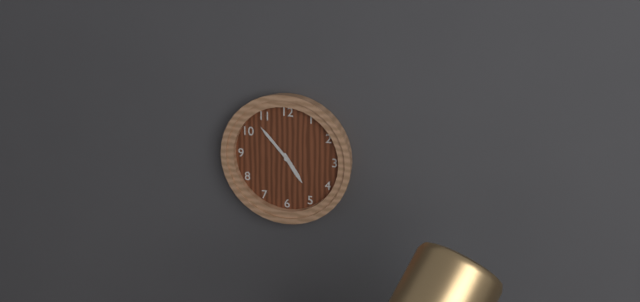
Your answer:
4 h 53 min
